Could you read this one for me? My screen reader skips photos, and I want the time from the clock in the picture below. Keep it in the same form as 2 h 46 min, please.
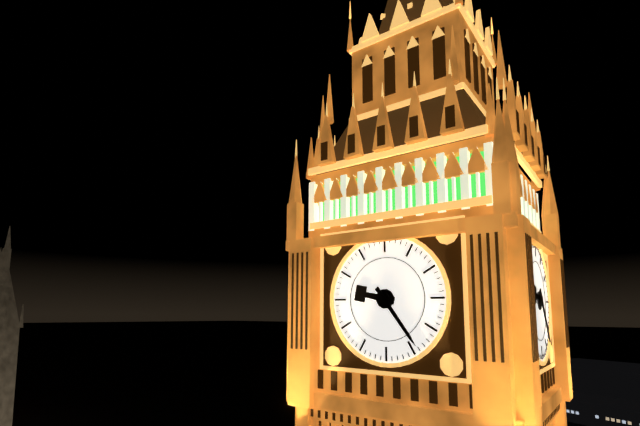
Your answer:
9 h 24 min
